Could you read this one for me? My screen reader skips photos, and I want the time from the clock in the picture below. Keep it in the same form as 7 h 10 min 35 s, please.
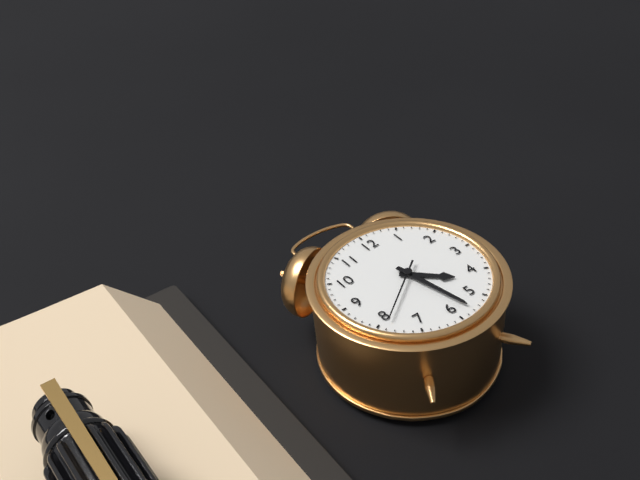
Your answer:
4 h 28 min 39 s
